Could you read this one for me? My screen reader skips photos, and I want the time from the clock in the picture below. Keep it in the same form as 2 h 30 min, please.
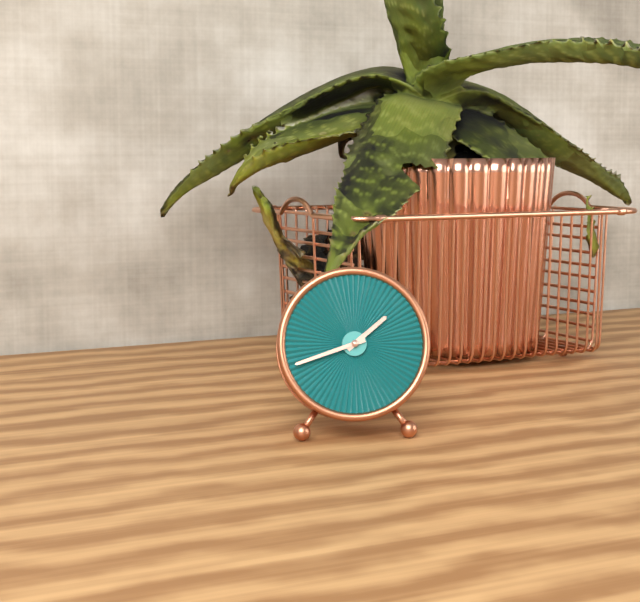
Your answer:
1 h 42 min
